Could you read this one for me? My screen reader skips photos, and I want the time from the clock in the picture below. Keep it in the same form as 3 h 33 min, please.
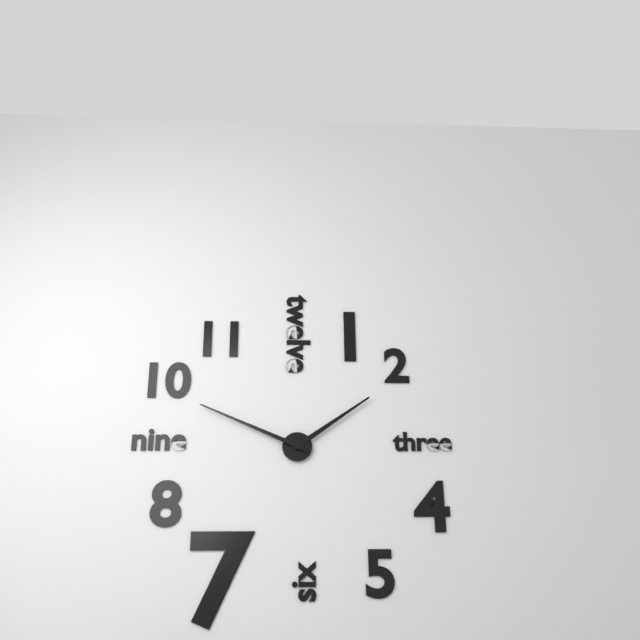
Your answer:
1 h 49 min
